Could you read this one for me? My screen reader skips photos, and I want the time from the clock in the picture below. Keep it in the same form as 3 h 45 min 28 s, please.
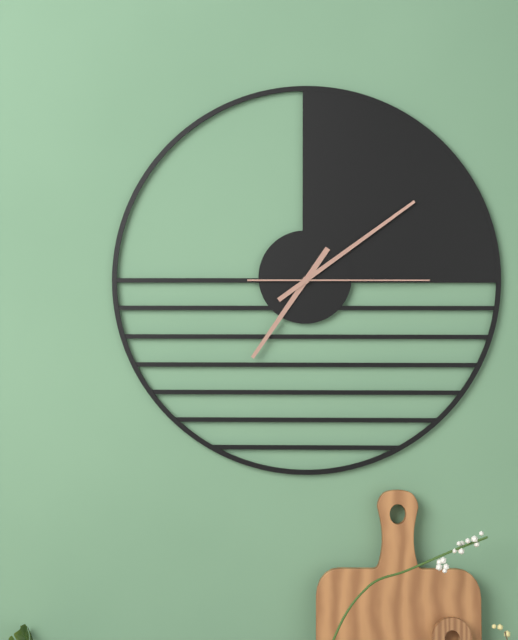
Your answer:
7 h 09 min 15 s
